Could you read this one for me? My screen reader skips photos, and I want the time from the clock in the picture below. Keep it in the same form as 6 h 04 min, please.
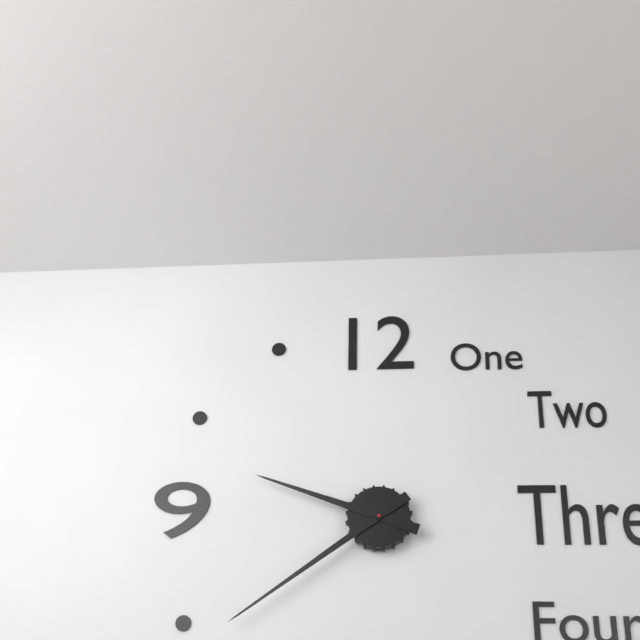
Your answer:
9 h 39 min
